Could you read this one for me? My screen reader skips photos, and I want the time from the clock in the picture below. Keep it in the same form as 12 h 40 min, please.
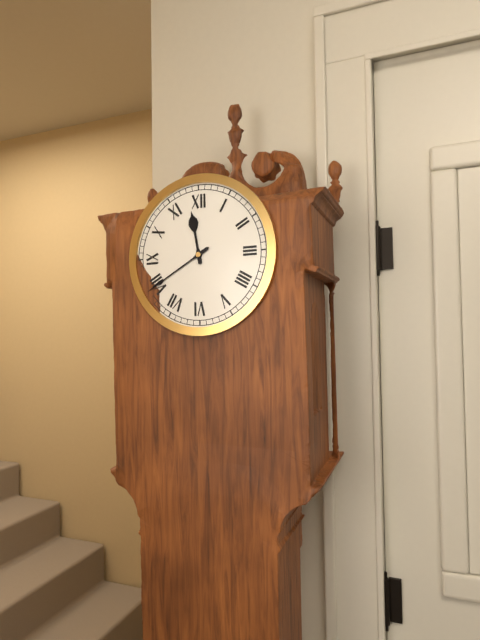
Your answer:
11 h 40 min
